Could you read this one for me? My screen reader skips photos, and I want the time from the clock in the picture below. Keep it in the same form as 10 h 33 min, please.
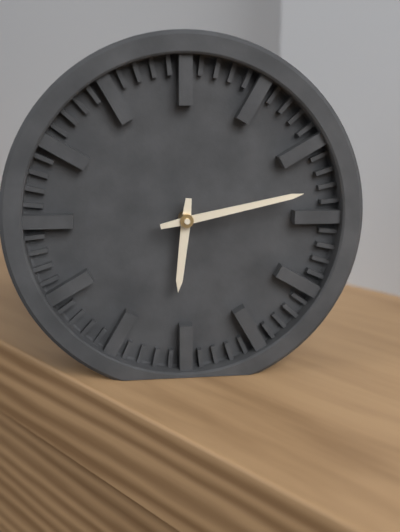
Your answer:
6 h 13 min
